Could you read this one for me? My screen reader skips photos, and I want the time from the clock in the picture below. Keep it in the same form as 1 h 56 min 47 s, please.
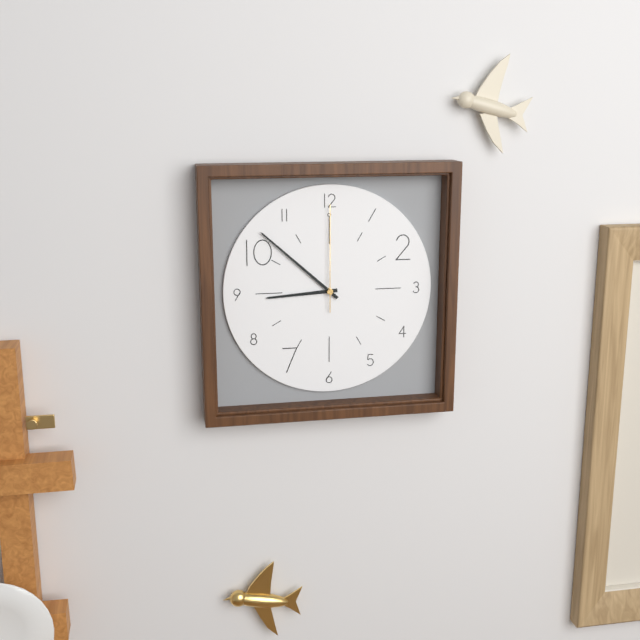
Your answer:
8 h 52 min 00 s
